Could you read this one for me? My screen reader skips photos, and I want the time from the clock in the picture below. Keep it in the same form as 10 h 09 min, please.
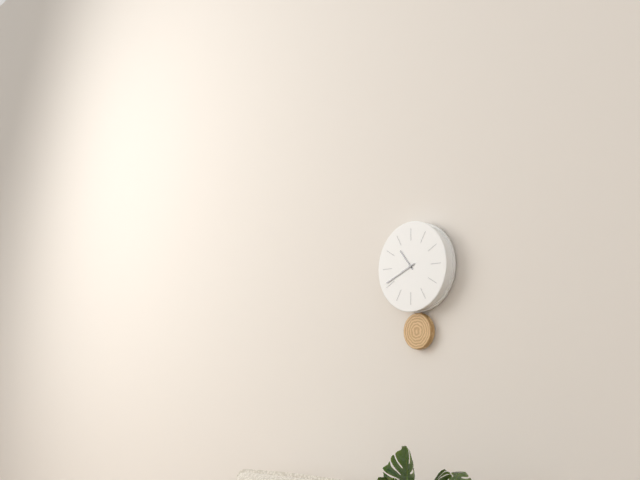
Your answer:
10 h 41 min
